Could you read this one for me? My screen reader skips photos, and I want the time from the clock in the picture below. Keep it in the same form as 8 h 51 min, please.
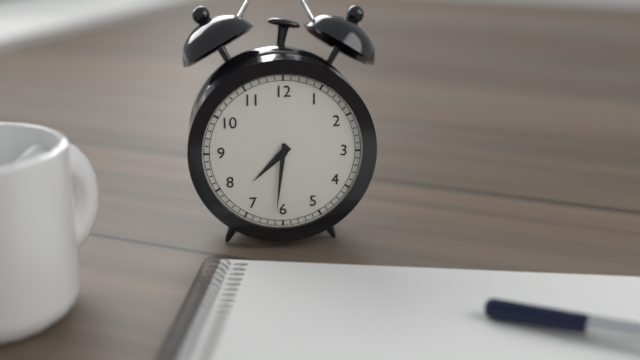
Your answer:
7 h 31 min
